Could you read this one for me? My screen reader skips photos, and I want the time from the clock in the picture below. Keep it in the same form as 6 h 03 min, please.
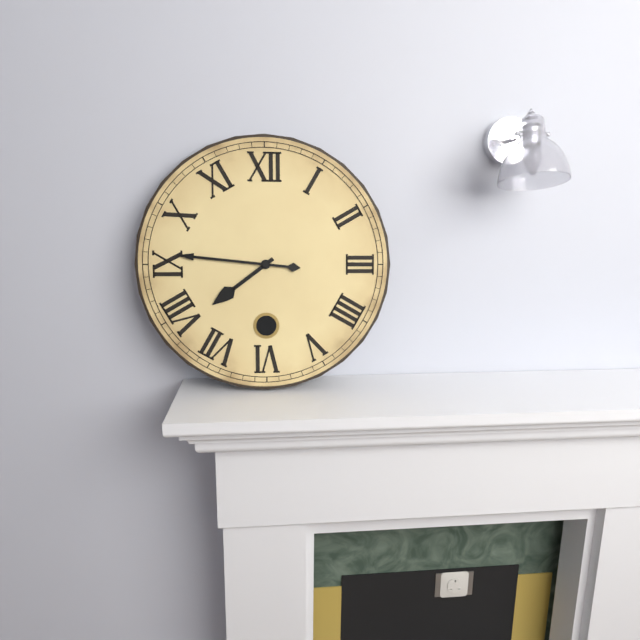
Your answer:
7 h 46 min
